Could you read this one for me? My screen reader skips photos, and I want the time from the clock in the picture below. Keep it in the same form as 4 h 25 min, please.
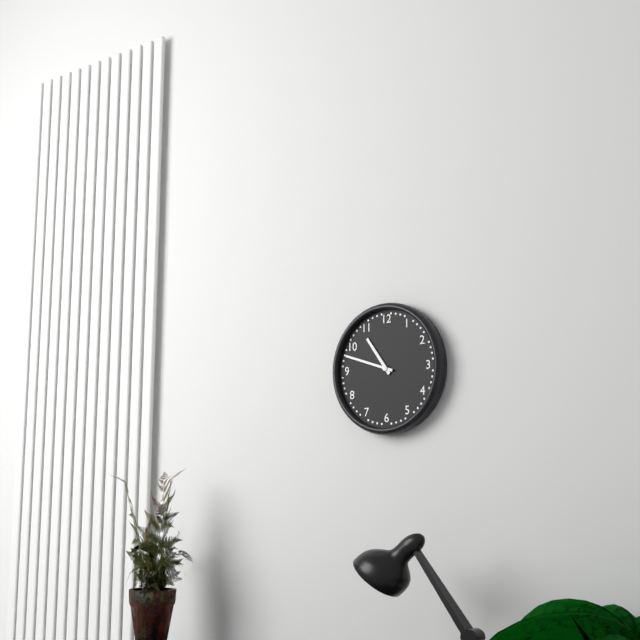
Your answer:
10 h 48 min
